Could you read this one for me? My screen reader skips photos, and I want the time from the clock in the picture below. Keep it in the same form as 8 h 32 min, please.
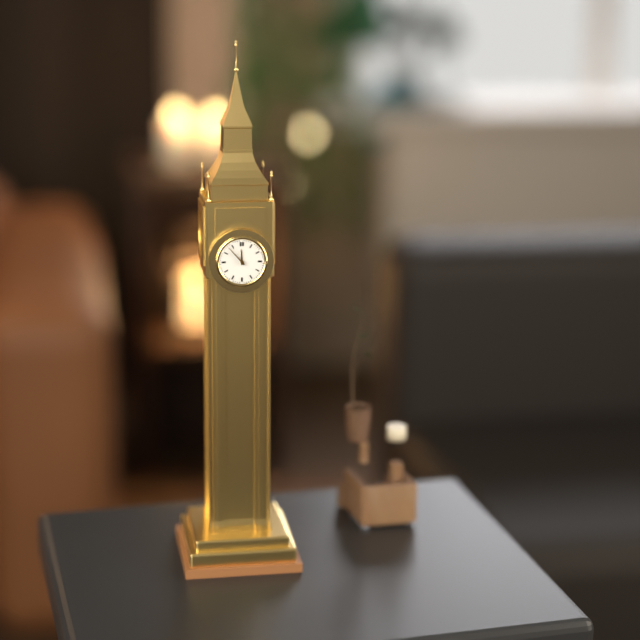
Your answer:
11 h 53 min
